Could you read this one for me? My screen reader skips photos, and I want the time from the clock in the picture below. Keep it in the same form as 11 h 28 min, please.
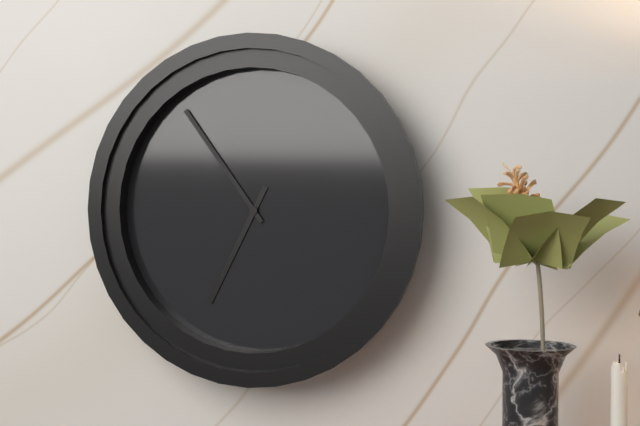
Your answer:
6 h 54 min
